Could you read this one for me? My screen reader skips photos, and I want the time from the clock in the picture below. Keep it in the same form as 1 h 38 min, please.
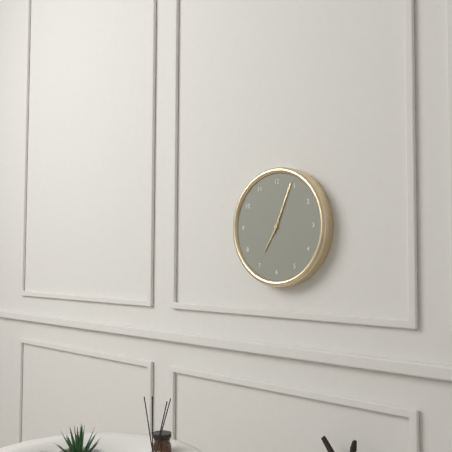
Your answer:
7 h 04 min
